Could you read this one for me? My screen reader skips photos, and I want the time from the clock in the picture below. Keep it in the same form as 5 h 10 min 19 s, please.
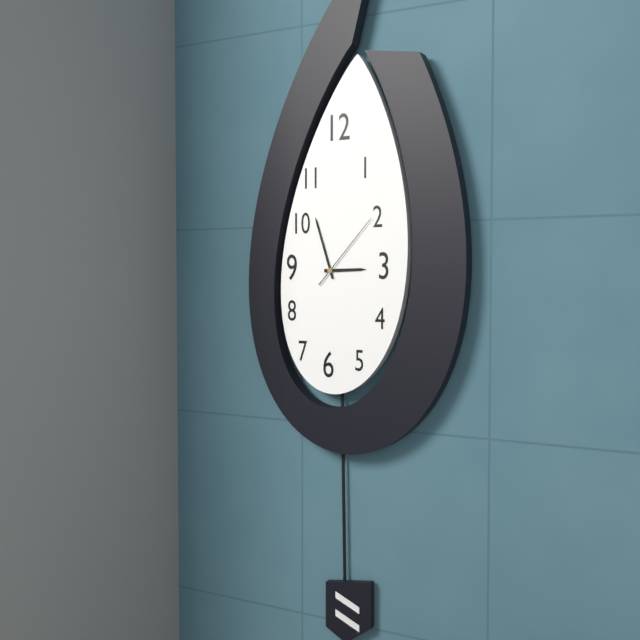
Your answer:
2 h 57 min 07 s
